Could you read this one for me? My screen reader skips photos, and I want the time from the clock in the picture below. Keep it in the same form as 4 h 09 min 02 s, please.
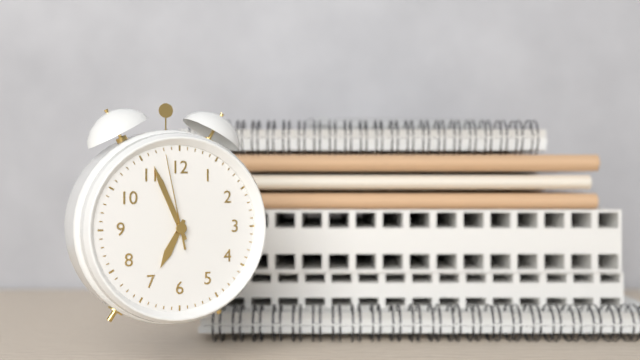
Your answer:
6 h 56 min 58 s
